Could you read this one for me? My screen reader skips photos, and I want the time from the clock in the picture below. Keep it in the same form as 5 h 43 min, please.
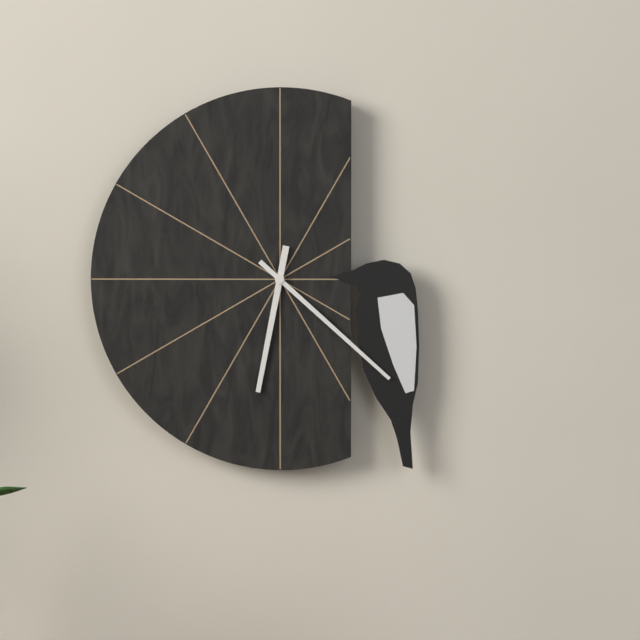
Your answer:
6 h 22 min
